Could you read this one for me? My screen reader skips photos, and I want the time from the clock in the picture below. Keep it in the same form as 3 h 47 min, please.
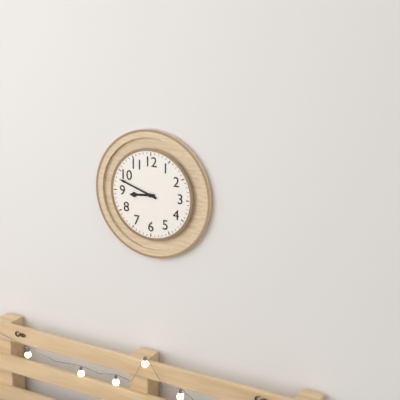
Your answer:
8 h 48 min
